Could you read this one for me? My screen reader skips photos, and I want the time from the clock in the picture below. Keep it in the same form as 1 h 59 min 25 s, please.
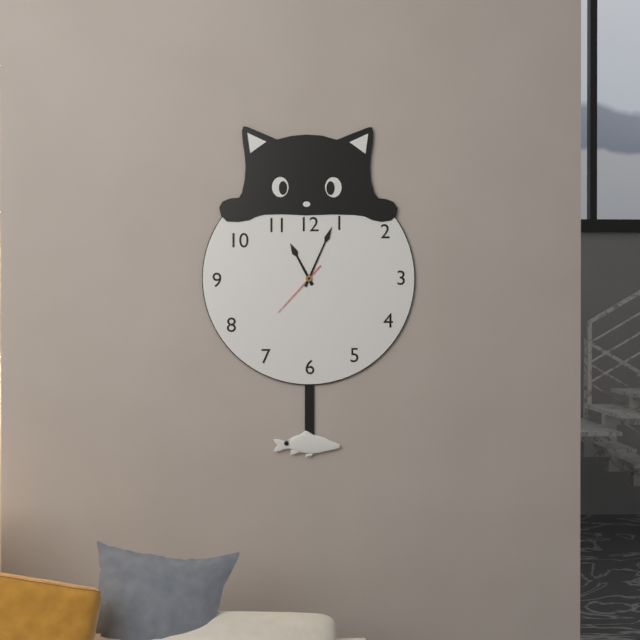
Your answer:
11 h 04 min 37 s
